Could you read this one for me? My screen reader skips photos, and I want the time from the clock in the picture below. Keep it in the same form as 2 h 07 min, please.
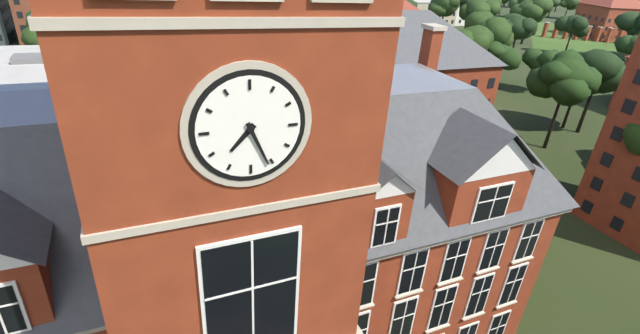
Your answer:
7 h 26 min
